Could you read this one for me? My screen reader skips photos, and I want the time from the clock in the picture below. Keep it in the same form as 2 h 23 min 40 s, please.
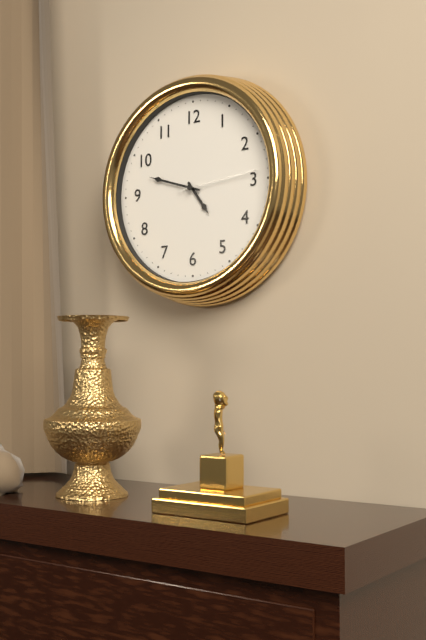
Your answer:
4 h 48 min 14 s
